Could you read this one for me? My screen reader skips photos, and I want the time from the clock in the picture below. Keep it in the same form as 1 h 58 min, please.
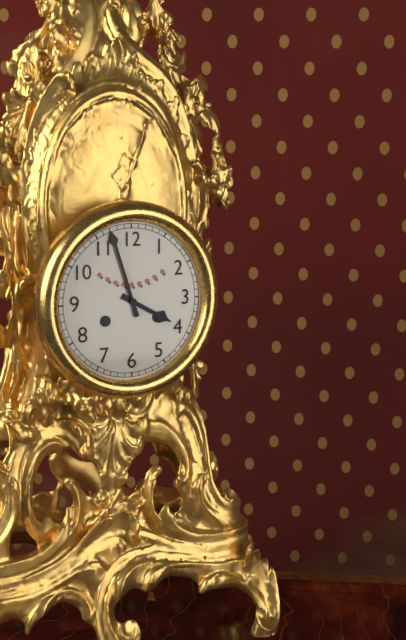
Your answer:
3 h 57 min
